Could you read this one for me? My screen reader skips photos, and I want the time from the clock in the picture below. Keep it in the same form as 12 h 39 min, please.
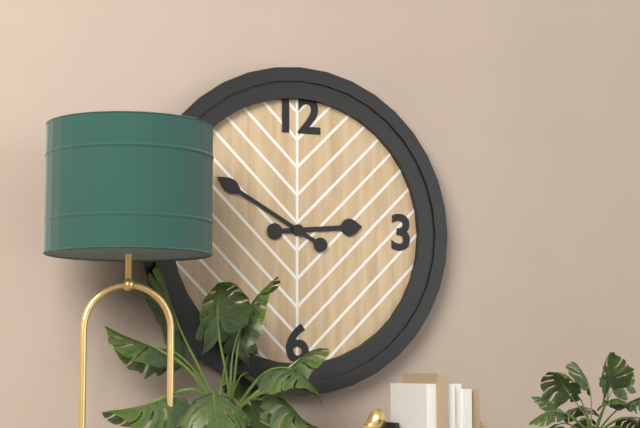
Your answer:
2 h 50 min
